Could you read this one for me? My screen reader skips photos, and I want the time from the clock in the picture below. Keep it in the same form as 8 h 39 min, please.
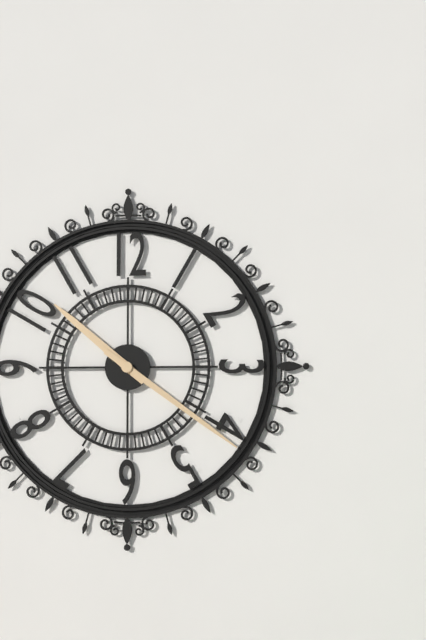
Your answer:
10 h 21 min
